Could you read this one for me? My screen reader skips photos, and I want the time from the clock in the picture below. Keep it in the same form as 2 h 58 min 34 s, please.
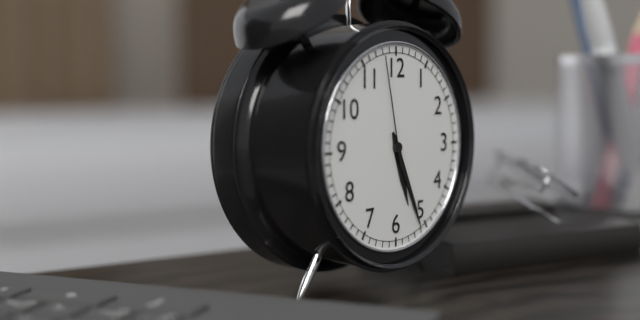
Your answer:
5 h 26 min 58 s
